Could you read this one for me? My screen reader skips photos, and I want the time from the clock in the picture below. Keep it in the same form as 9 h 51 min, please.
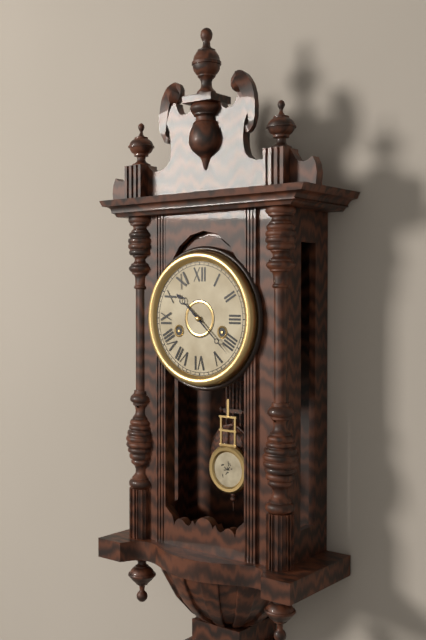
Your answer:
10 h 22 min
